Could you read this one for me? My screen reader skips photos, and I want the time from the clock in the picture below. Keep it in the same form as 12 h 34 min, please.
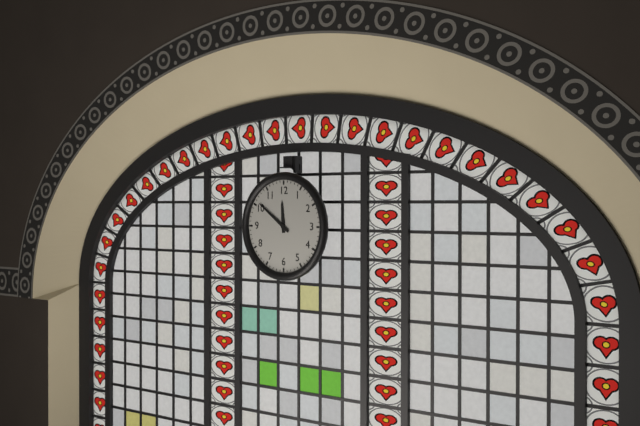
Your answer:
11 h 51 min
